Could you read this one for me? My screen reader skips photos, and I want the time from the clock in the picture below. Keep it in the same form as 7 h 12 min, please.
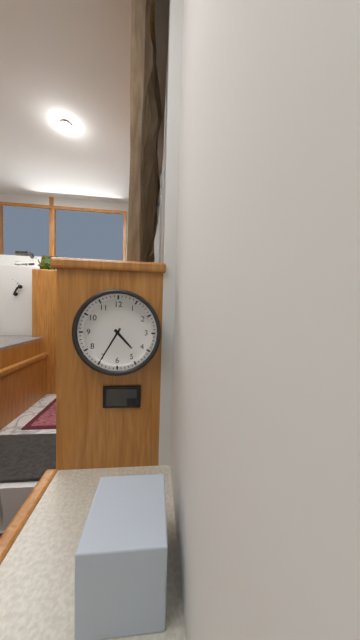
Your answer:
4 h 35 min
